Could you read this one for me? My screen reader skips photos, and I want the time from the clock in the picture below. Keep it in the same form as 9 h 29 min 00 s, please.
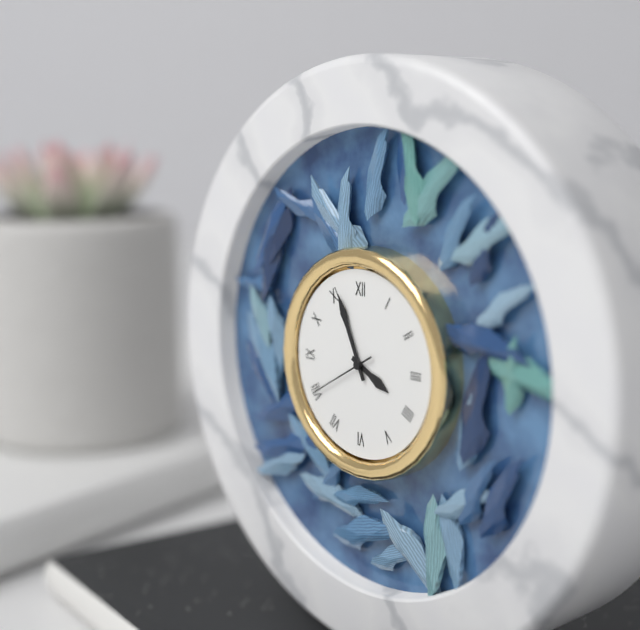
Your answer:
3 h 56 min 40 s
